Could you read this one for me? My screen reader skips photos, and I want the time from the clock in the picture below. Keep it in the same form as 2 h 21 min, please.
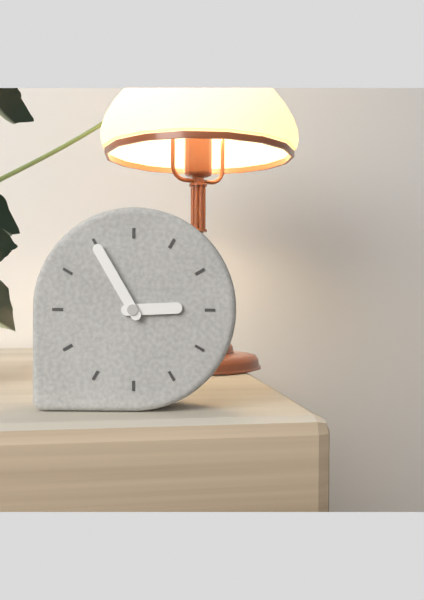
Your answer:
2 h 55 min
